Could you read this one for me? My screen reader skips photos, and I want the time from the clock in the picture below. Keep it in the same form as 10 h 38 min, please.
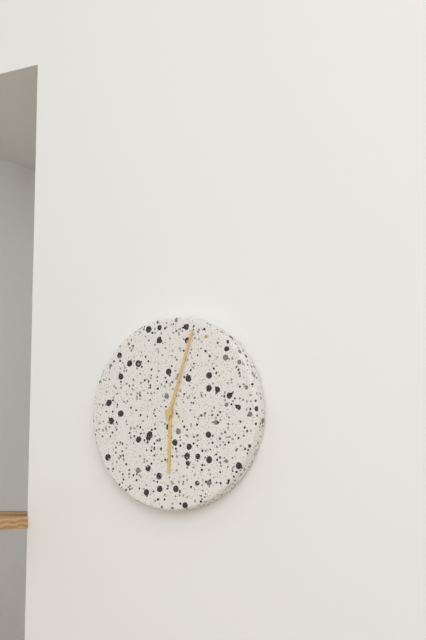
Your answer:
6 h 03 min
